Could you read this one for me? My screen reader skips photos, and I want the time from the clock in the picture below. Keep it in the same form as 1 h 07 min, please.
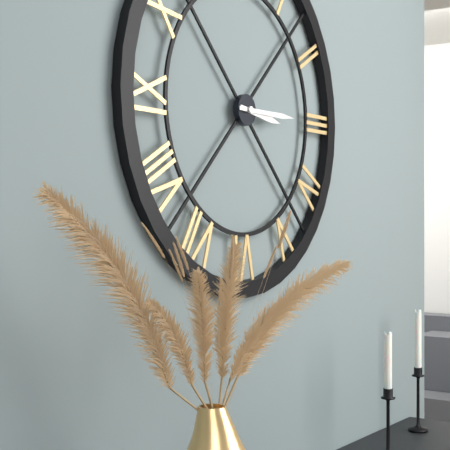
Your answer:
3 h 15 min
